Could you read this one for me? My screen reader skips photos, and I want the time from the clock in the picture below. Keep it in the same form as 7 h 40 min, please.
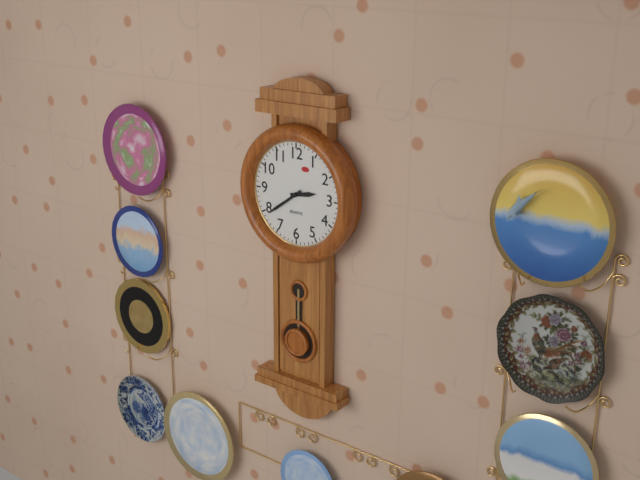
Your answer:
2 h 39 min
